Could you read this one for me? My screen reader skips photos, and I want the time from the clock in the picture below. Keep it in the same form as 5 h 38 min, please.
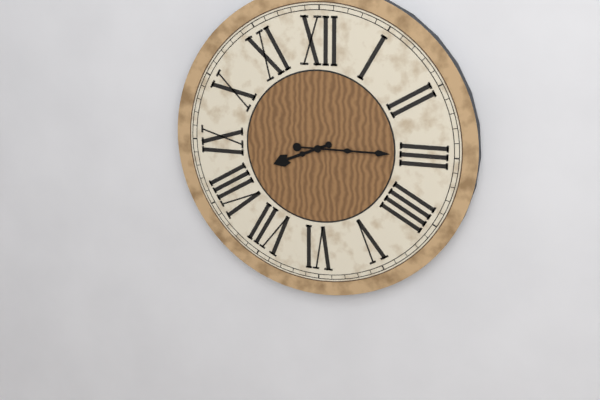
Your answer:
8 h 15 min
